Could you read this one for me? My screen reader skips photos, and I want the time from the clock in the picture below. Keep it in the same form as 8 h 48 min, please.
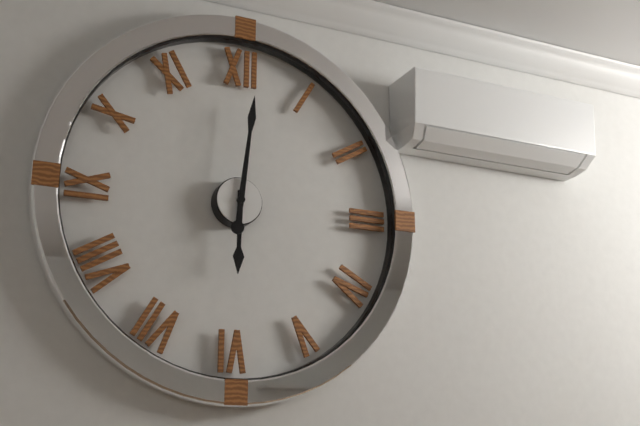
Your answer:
6 h 01 min
